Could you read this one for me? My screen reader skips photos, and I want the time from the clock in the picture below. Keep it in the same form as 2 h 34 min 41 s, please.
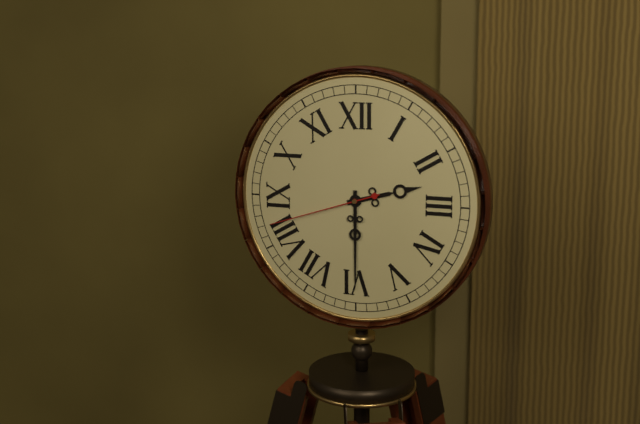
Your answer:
2 h 30 min 42 s
